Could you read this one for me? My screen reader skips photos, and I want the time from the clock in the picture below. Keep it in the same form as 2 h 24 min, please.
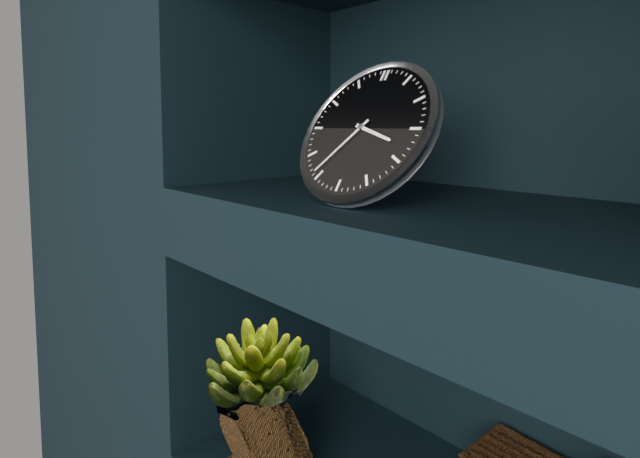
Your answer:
3 h 36 min
